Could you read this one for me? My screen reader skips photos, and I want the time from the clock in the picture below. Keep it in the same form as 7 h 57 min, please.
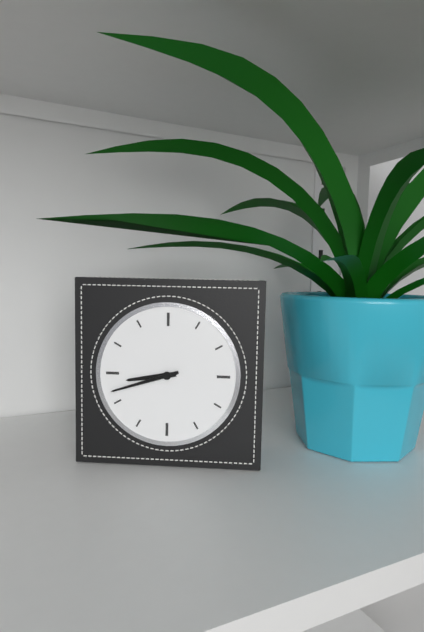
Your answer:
8 h 42 min
